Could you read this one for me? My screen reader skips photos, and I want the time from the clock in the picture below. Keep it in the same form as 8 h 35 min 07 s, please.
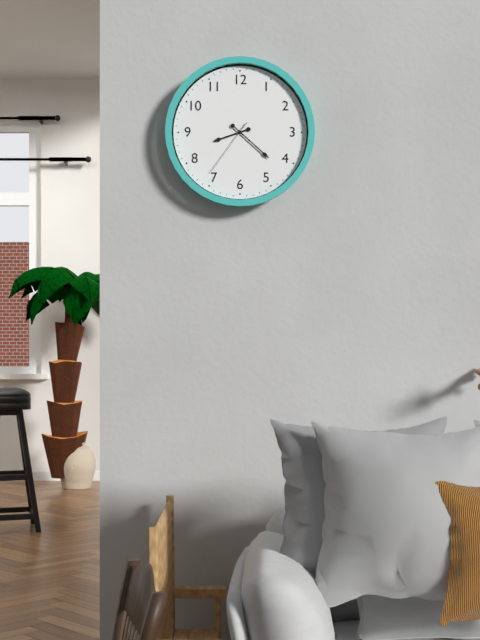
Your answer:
8 h 22 min 36 s
